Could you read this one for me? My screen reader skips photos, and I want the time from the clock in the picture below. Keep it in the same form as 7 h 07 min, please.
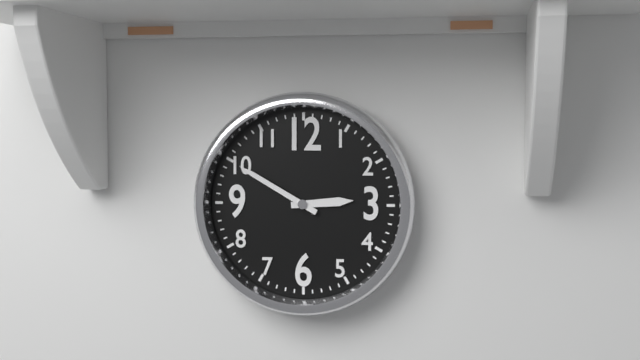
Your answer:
2 h 50 min
